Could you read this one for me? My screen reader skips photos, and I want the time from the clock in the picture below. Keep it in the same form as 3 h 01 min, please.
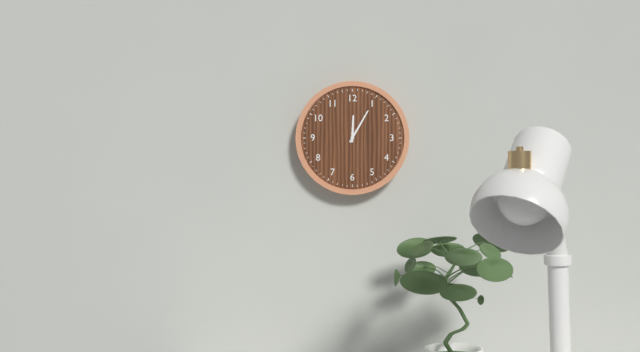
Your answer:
12 h 05 min
